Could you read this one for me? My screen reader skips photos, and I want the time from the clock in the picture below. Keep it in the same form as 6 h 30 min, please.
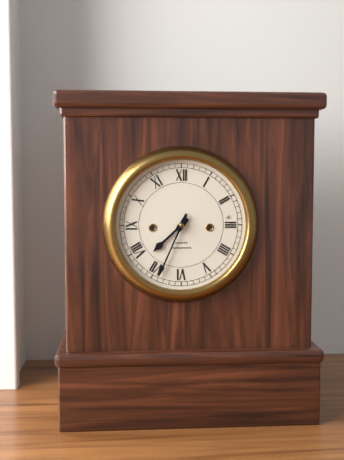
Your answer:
7 h 34 min
